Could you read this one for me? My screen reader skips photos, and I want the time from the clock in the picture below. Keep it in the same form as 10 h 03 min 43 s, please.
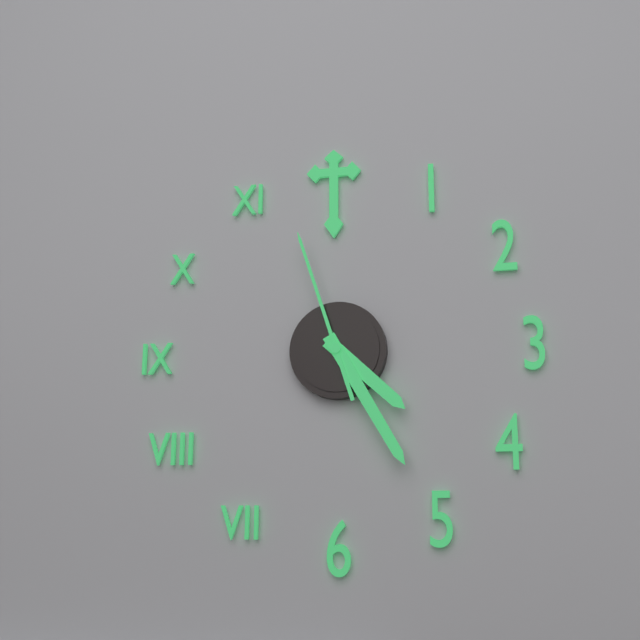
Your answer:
4 h 25 min 57 s
